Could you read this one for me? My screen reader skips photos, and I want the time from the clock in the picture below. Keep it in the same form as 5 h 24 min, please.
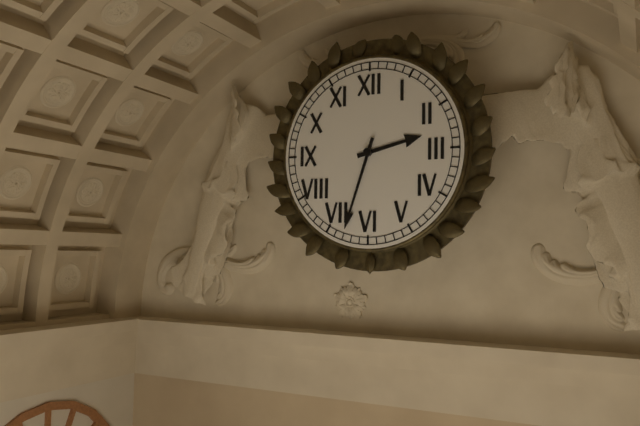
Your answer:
2 h 33 min
